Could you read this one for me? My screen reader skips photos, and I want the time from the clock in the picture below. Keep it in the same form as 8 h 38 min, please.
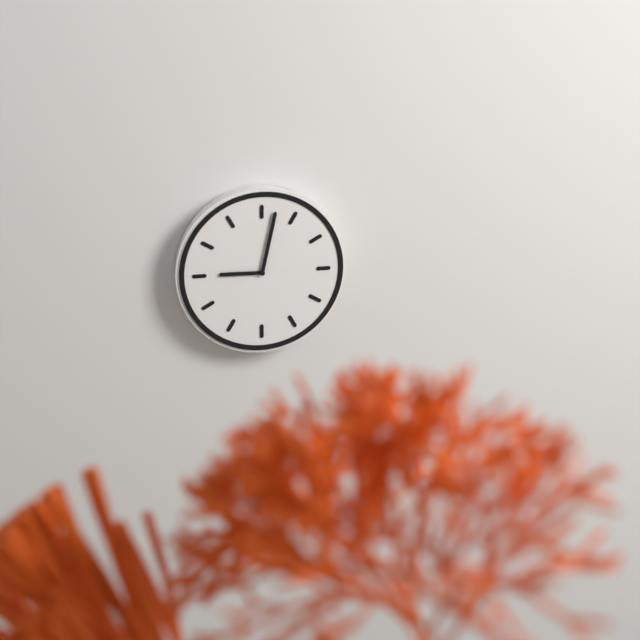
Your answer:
9 h 02 min
